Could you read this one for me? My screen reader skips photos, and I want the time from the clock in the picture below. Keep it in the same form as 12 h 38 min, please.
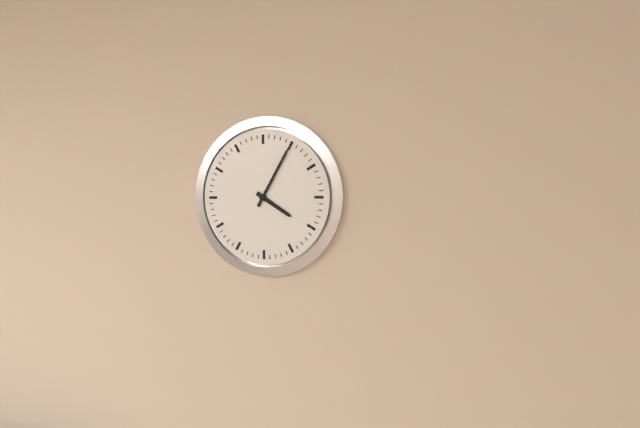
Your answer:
4 h 05 min
